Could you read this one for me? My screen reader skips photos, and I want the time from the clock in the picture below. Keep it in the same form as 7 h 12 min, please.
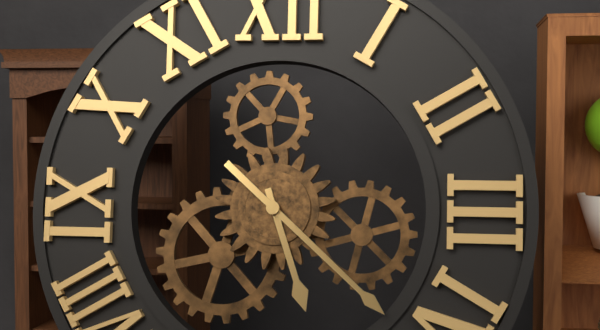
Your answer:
5 h 22 min
